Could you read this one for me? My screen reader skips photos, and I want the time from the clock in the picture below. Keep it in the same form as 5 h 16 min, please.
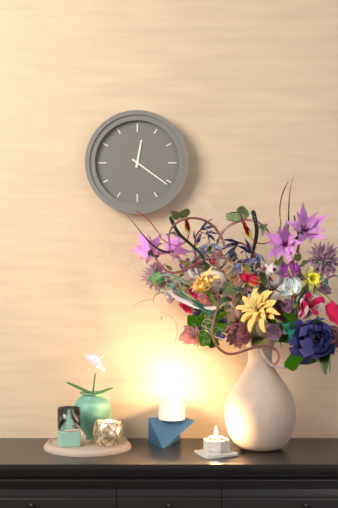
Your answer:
12 h 21 min
